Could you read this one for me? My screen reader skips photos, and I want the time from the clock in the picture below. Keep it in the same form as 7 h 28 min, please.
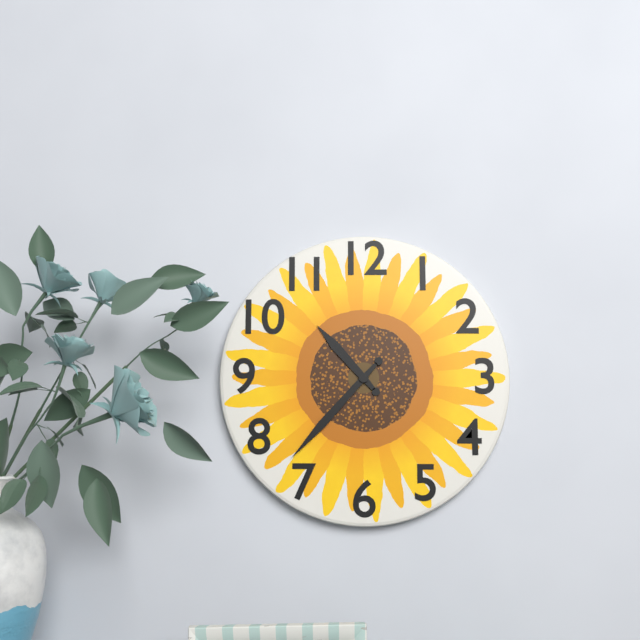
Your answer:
10 h 37 min
